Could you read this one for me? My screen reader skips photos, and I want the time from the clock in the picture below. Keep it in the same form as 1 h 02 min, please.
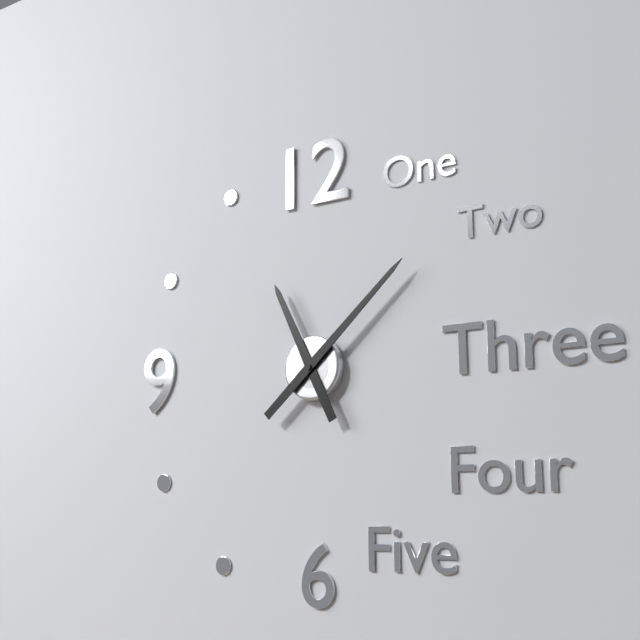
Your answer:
11 h 08 min
